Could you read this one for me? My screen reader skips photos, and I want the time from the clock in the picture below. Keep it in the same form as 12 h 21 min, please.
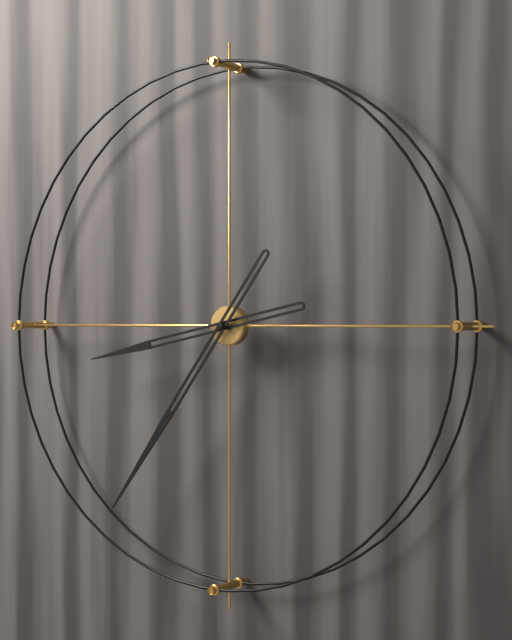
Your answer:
8 h 36 min
